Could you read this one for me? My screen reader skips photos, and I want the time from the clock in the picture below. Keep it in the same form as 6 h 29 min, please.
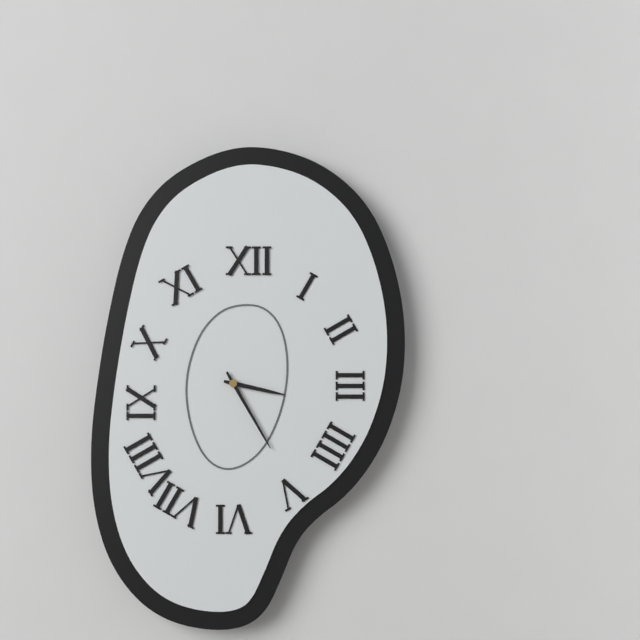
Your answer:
3 h 25 min
